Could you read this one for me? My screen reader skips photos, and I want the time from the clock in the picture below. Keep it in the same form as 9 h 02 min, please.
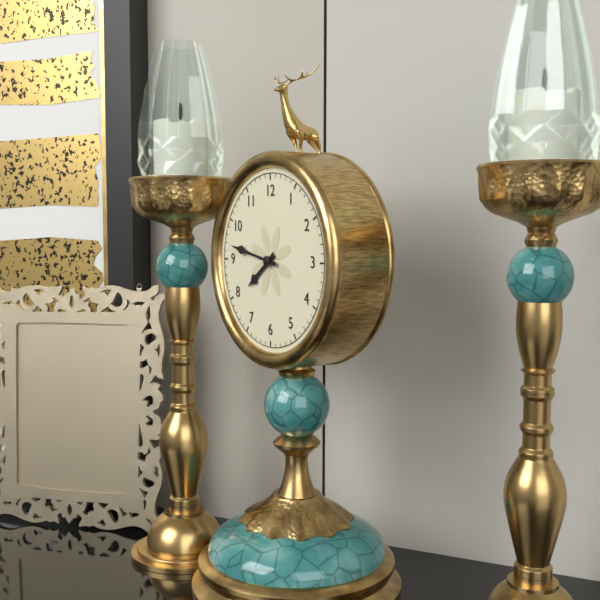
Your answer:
7 h 47 min
